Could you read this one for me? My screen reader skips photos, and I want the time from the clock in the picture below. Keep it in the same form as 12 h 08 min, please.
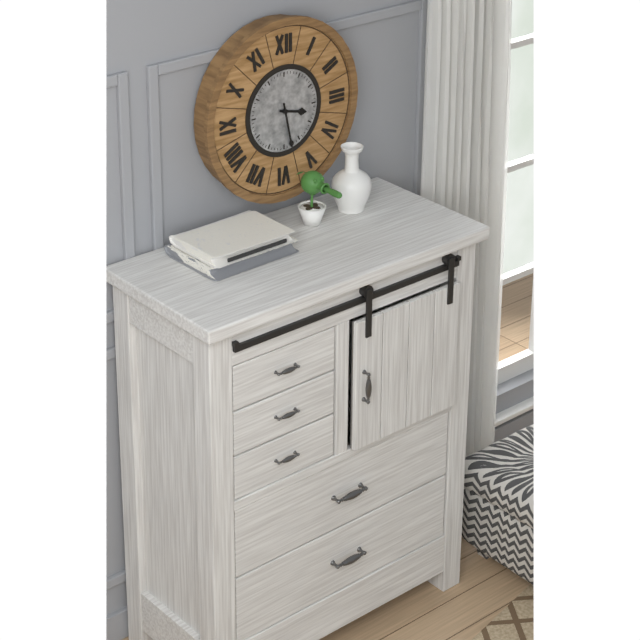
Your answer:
3 h 28 min
